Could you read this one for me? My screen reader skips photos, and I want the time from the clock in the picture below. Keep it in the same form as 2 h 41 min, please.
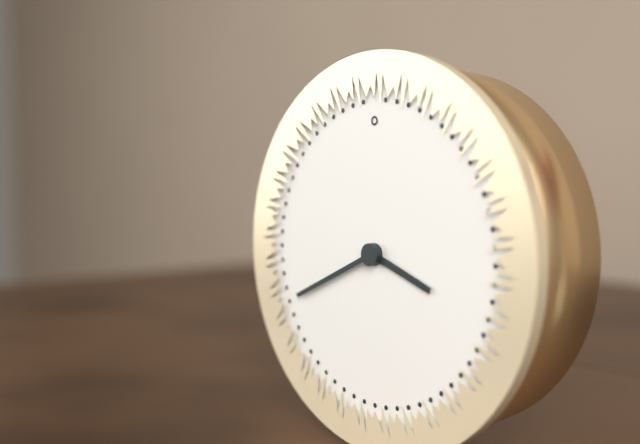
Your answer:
3 h 41 min
